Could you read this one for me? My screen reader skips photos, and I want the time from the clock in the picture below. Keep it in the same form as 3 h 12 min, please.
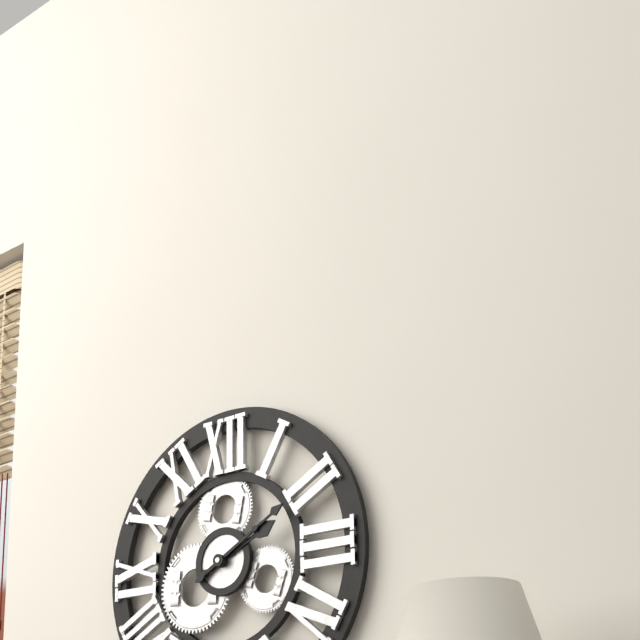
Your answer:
2 h 10 min
